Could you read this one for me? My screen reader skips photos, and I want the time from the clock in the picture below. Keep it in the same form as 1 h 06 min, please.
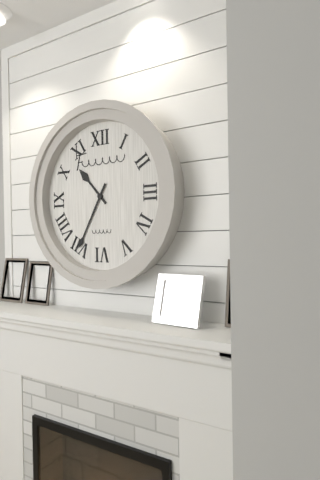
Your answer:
10 h 35 min
